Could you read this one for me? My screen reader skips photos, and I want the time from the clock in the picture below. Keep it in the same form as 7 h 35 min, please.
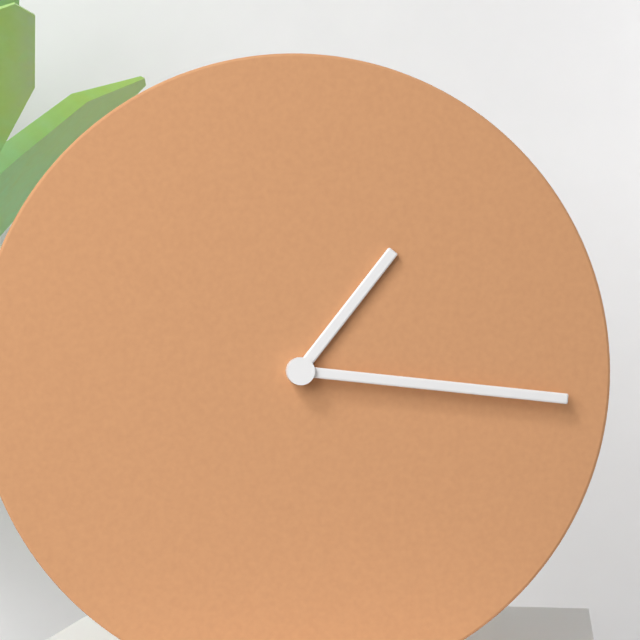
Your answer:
1 h 16 min
